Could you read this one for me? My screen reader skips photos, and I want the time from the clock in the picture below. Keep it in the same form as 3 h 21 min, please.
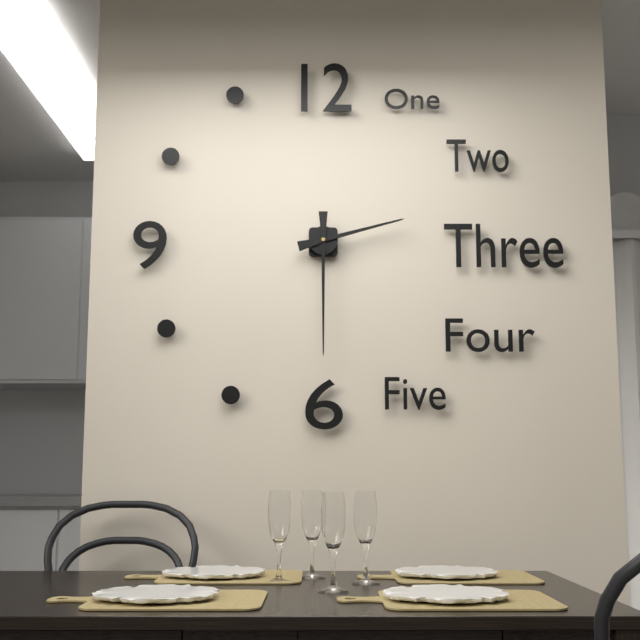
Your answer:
2 h 30 min
